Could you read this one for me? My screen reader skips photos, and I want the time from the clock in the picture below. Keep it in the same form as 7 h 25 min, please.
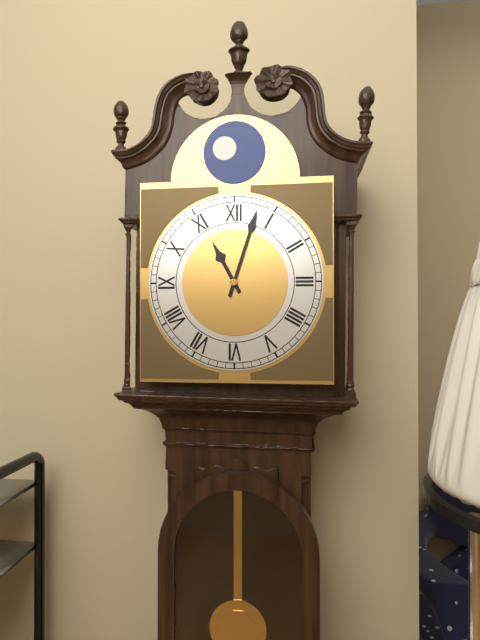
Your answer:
11 h 03 min
